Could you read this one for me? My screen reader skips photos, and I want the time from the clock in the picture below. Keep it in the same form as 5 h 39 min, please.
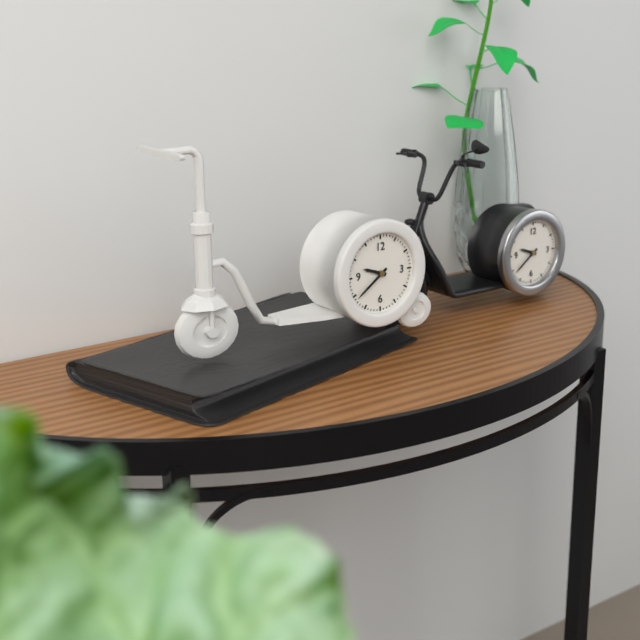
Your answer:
9 h 39 min
